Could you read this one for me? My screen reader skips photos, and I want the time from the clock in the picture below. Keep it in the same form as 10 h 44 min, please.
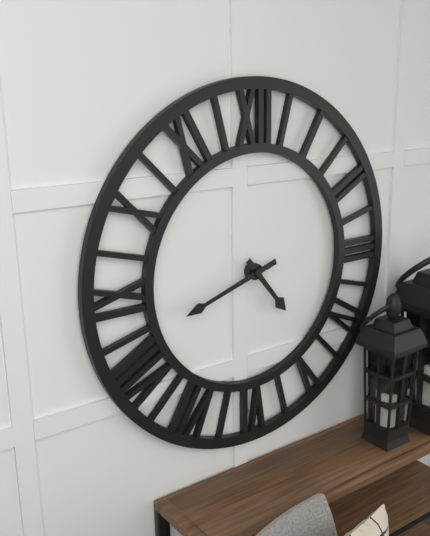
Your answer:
4 h 42 min
